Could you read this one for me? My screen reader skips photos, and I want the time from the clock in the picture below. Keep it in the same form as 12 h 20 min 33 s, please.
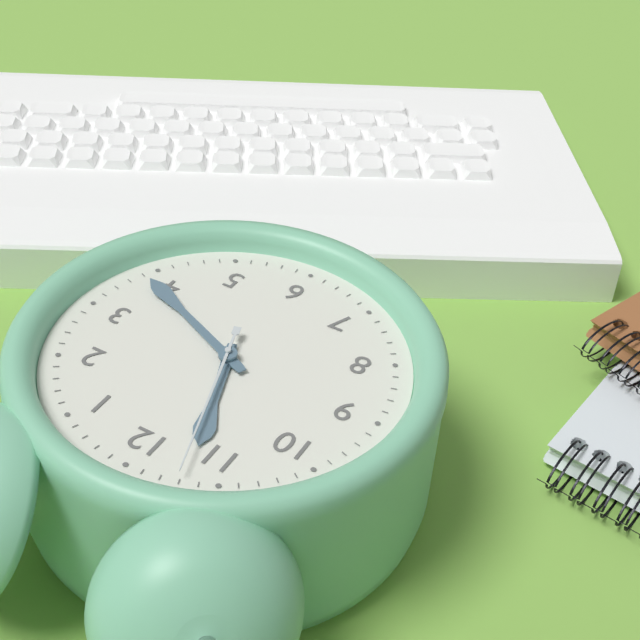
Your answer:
11 h 19 min 57 s
